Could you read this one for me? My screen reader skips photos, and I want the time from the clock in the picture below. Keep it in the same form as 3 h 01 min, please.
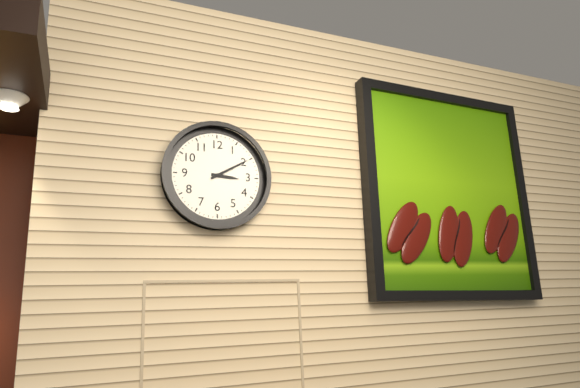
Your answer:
3 h 10 min
